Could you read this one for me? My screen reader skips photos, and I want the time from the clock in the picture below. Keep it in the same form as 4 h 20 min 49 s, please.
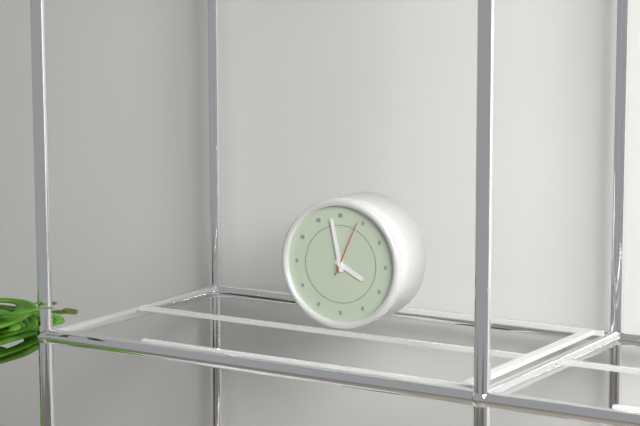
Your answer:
3 h 58 min 04 s
